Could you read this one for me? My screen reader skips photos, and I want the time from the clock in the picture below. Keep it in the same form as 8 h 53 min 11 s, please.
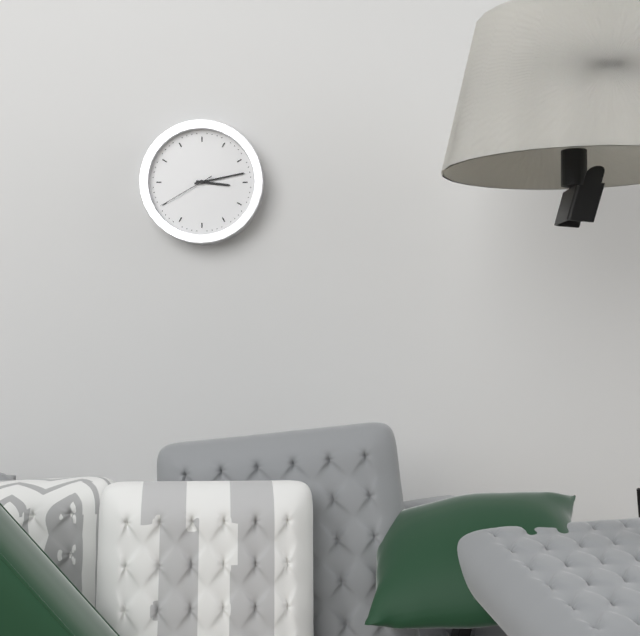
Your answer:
3 h 13 min 40 s
